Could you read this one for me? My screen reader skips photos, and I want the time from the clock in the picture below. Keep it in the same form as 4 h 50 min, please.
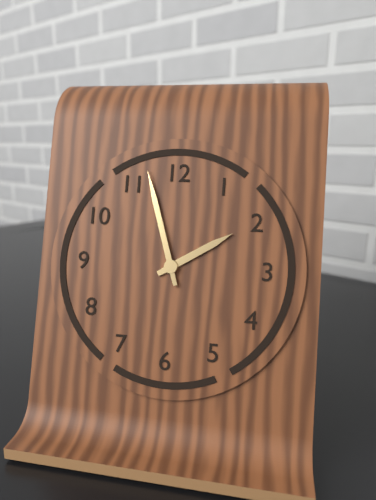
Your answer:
1 h 57 min
